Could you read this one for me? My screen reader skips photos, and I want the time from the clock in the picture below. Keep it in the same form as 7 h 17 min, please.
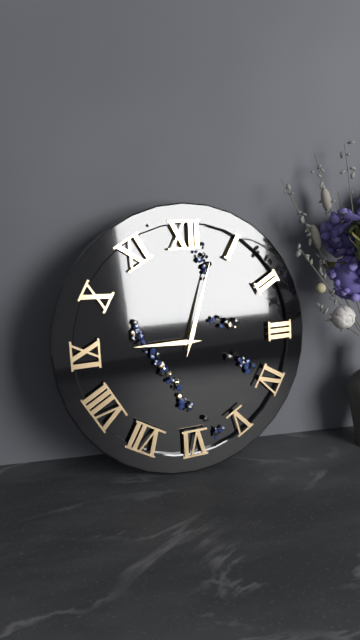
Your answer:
9 h 03 min
